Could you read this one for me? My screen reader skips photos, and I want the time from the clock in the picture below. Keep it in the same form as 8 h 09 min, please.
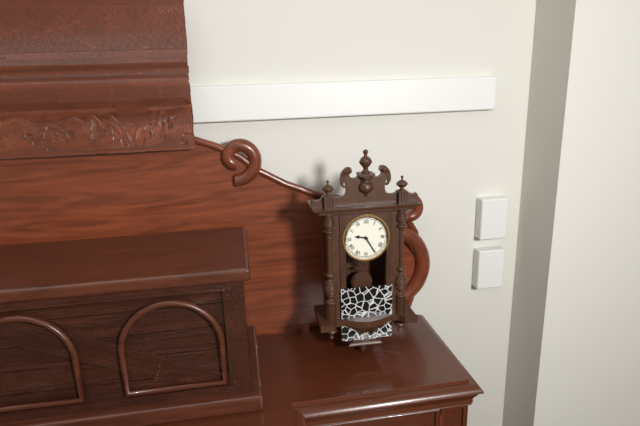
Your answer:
9 h 25 min
